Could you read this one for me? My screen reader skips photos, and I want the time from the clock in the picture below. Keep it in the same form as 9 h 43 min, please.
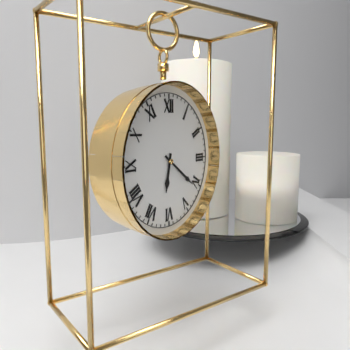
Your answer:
6 h 21 min
